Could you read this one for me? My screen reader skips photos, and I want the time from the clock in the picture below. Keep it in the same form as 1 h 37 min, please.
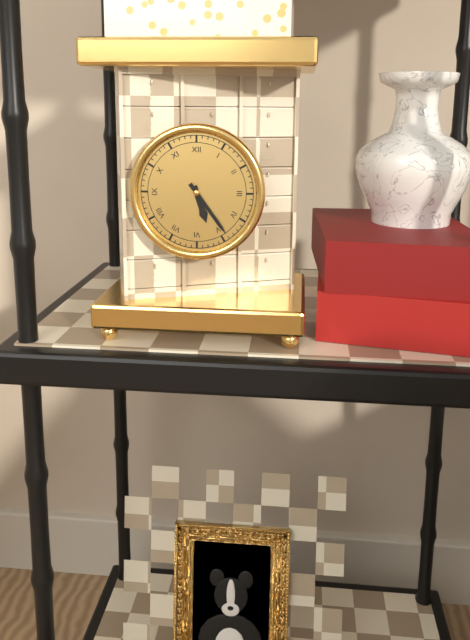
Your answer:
5 h 24 min
